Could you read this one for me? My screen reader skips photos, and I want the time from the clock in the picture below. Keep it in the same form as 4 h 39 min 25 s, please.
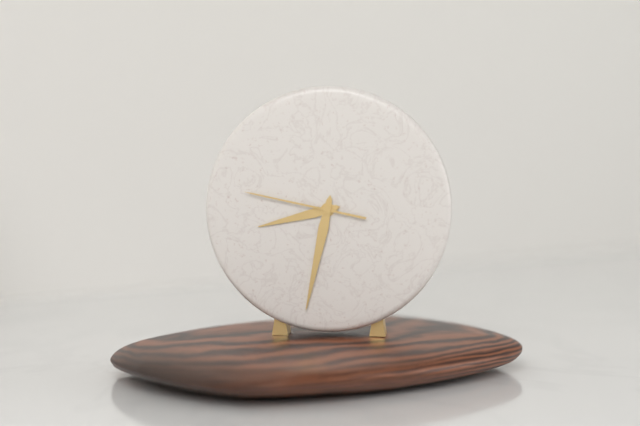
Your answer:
8 h 32 min 47 s
